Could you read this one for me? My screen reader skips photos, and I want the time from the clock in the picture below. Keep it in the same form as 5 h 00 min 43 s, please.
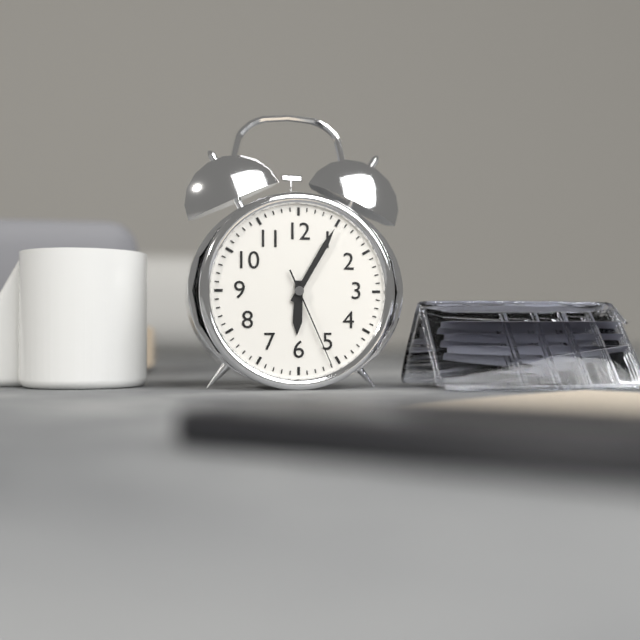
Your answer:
6 h 05 min 26 s
